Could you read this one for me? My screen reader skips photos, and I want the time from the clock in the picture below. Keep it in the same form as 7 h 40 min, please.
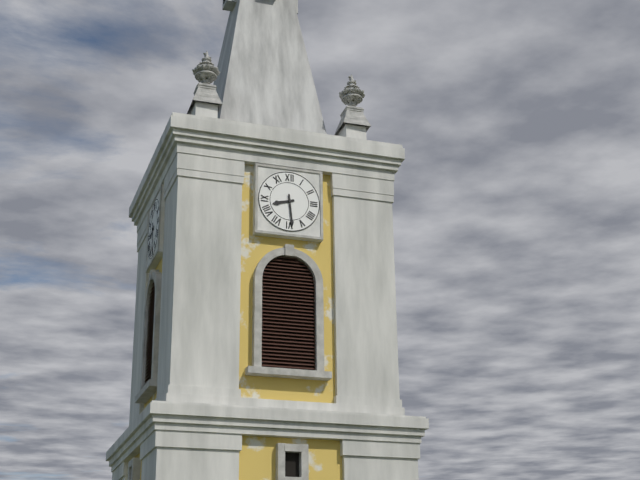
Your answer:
8 h 29 min
